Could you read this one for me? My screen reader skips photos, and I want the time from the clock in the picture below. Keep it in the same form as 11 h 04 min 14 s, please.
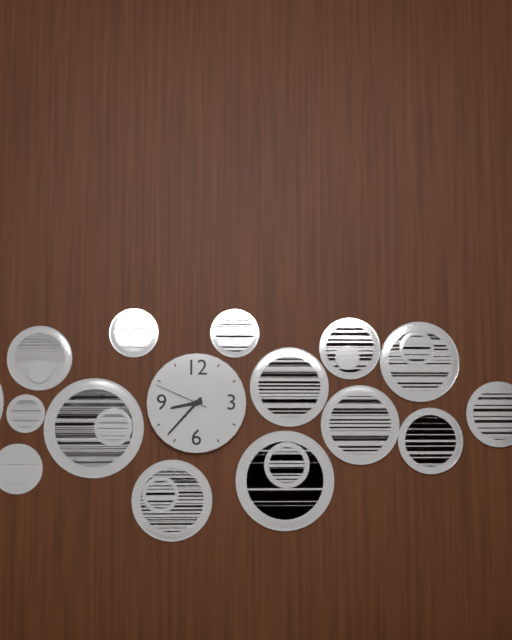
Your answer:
8 h 37 min 49 s
